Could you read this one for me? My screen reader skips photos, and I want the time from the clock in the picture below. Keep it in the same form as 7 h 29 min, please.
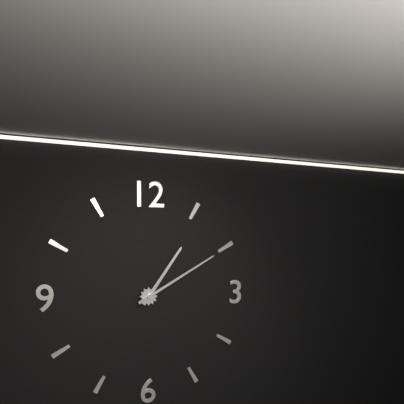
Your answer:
1 h 10 min
